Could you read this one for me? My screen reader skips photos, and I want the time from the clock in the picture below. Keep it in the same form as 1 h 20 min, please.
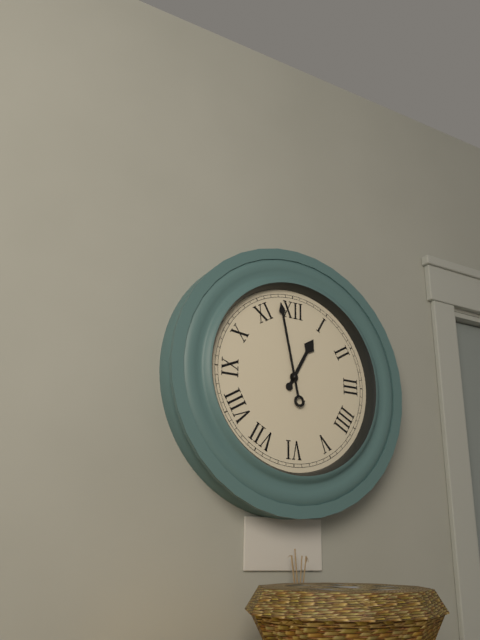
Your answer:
12 h 58 min
